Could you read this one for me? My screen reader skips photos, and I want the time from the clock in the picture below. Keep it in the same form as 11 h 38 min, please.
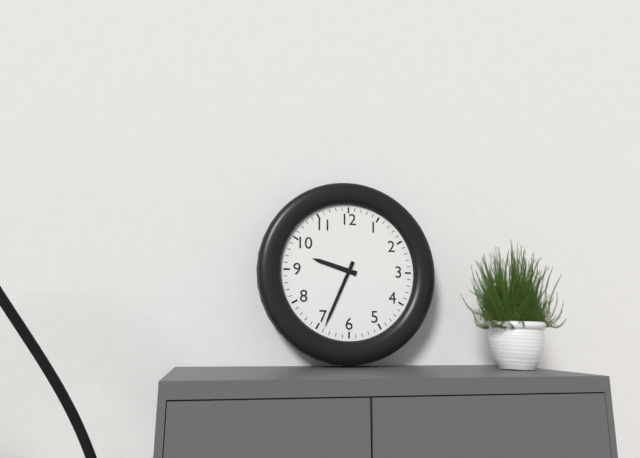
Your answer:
9 h 34 min
